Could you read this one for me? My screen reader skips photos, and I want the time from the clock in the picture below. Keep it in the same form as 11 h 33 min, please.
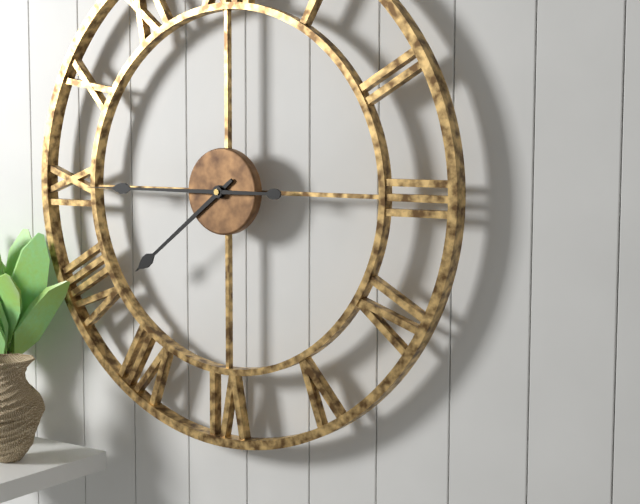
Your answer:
7 h 45 min
